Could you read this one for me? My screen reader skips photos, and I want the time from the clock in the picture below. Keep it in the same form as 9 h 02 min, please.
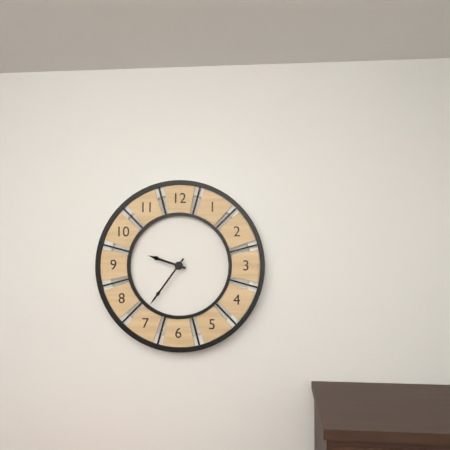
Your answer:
9 h 36 min
